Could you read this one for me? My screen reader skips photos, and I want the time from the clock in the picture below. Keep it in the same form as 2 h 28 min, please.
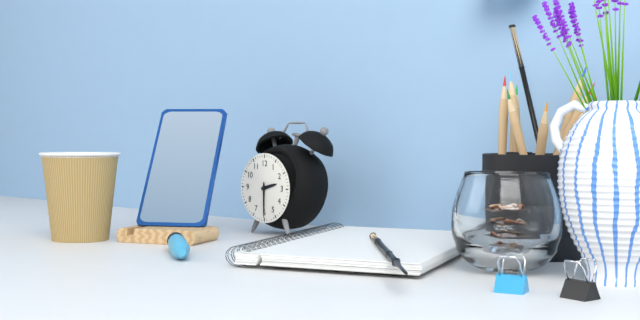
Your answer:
2 h 30 min
